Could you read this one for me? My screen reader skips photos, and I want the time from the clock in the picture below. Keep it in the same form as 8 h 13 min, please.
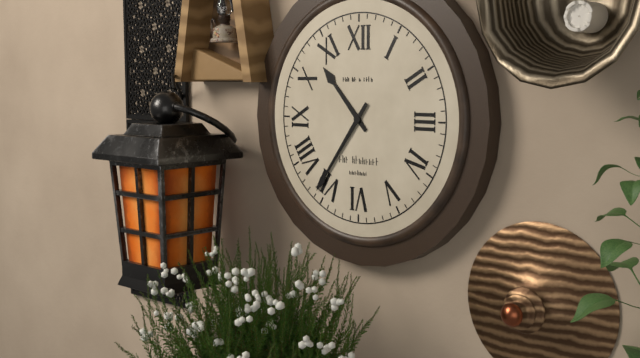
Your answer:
10 h 36 min
